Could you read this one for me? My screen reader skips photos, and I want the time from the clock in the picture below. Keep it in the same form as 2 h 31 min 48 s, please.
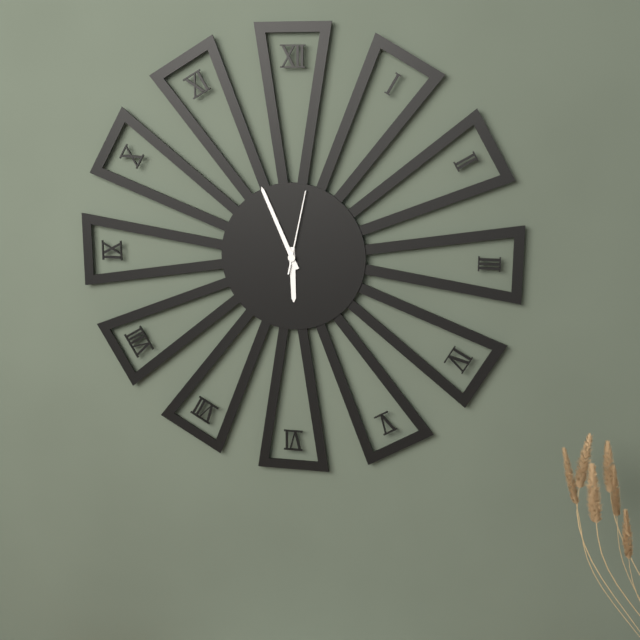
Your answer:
5 h 56 min 02 s
